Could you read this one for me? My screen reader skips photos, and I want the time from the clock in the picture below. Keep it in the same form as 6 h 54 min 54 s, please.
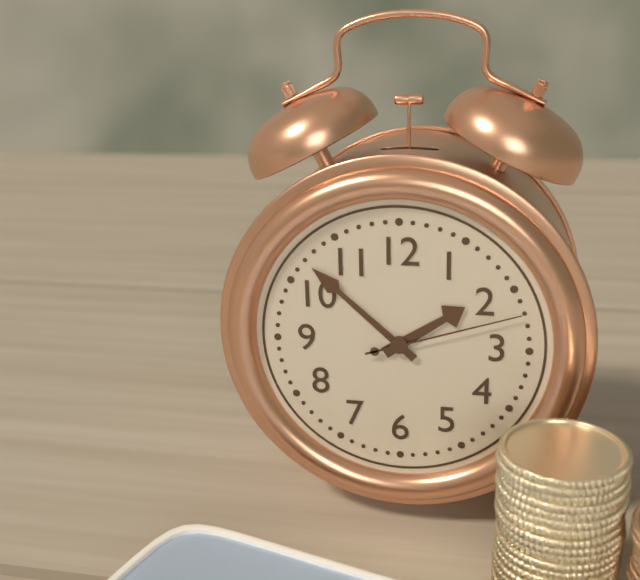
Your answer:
1 h 52 min 12 s
